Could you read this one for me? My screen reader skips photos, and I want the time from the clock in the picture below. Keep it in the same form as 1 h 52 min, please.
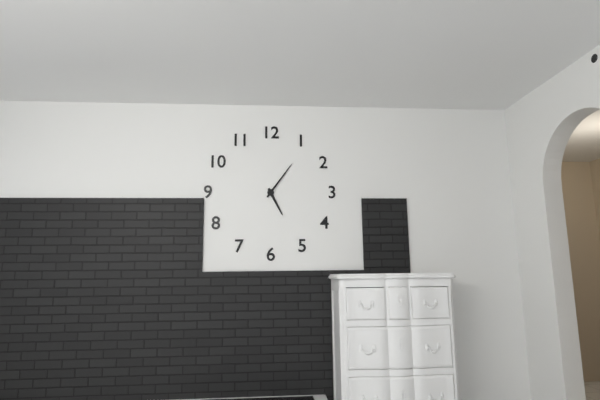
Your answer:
5 h 06 min
